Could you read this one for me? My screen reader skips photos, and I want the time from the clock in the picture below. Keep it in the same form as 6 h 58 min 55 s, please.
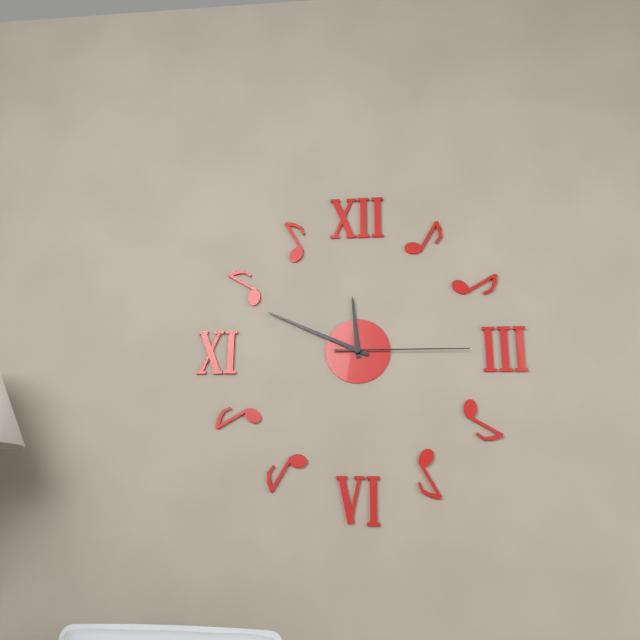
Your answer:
11 h 49 min 15 s
